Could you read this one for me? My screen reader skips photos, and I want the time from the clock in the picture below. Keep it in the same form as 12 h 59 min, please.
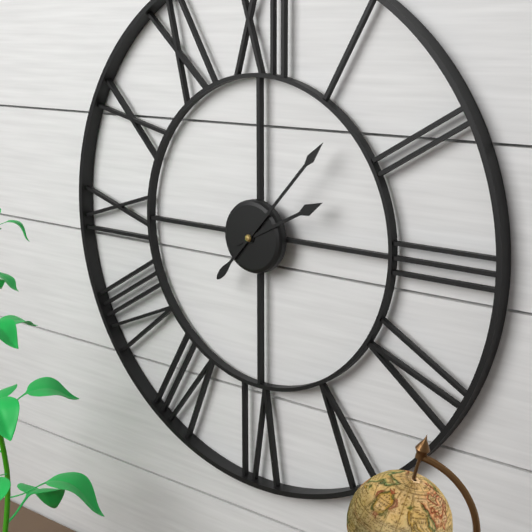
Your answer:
2 h 07 min
